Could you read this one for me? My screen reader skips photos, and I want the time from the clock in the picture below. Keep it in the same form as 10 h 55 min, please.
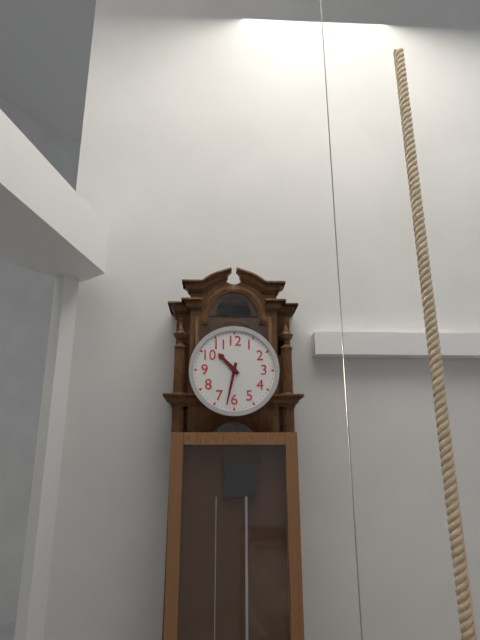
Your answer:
10 h 32 min
